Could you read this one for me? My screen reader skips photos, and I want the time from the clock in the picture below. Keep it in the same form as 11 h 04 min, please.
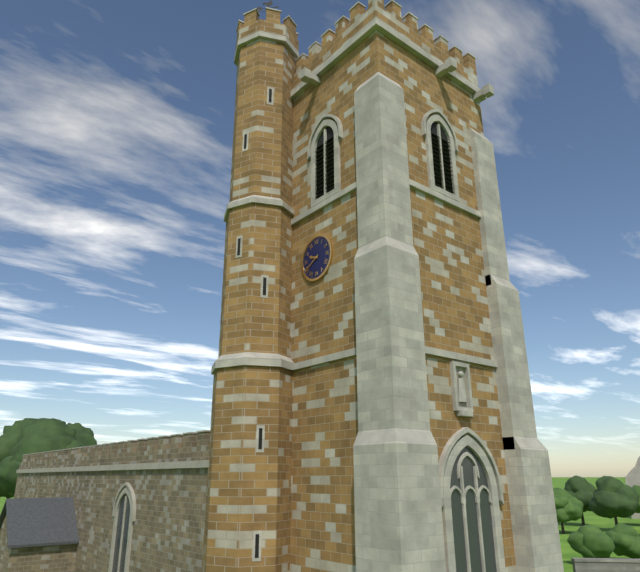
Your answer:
9 h 40 min
